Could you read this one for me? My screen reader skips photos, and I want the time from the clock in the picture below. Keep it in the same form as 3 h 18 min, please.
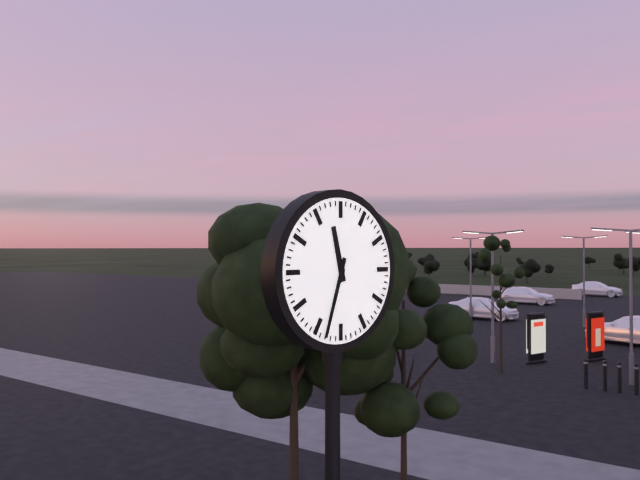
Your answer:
11 h 33 min
